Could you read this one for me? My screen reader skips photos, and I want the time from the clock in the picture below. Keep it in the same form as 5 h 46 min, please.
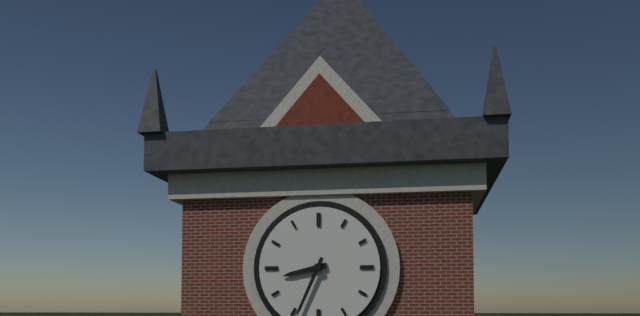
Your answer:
8 h 34 min
